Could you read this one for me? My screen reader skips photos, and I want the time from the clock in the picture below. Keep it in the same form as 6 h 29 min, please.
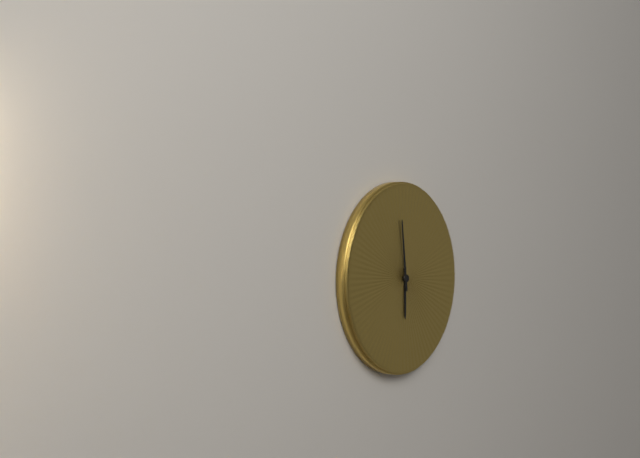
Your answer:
5 h 59 min
